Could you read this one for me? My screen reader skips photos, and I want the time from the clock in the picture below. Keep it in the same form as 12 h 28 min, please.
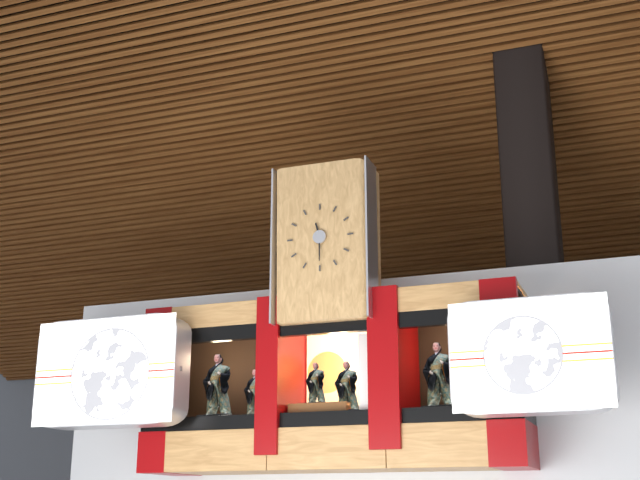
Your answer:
11 h 30 min
